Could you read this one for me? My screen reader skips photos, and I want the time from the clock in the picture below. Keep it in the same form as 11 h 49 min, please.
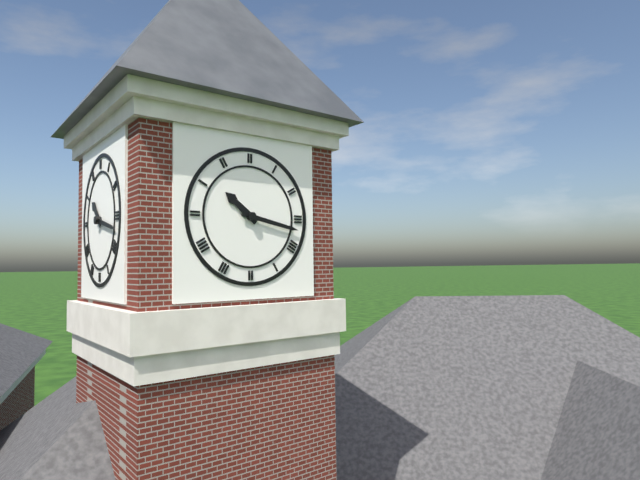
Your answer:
10 h 17 min
